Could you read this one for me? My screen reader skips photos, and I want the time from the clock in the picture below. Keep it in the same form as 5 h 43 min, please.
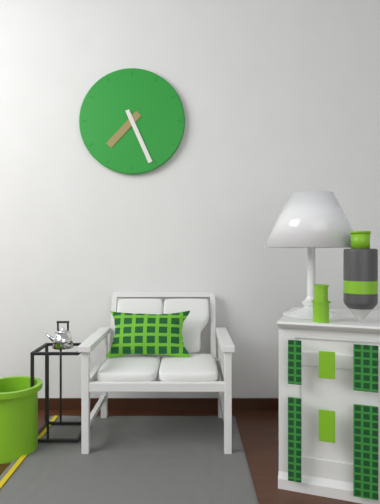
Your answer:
7 h 26 min
